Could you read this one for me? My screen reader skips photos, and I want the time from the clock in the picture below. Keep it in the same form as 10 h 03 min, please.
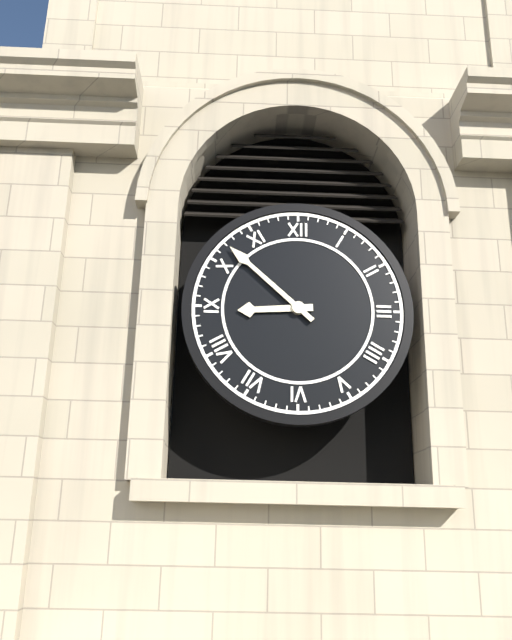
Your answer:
8 h 52 min
